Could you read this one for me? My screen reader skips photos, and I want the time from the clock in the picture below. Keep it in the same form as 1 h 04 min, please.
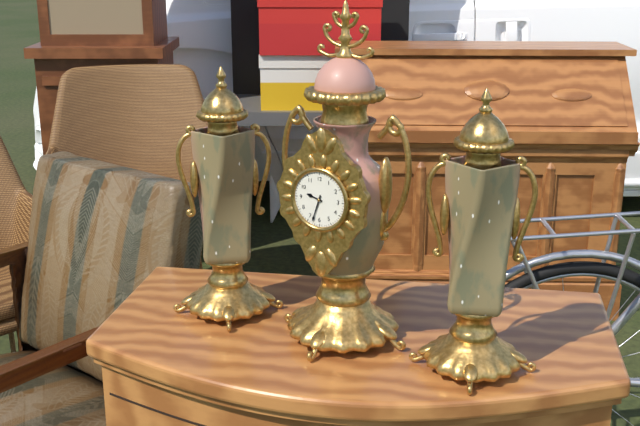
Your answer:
9 h 33 min
